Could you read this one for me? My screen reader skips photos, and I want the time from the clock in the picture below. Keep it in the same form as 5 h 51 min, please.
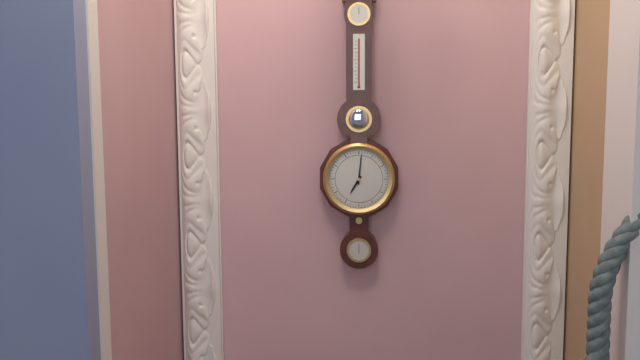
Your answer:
7 h 01 min
